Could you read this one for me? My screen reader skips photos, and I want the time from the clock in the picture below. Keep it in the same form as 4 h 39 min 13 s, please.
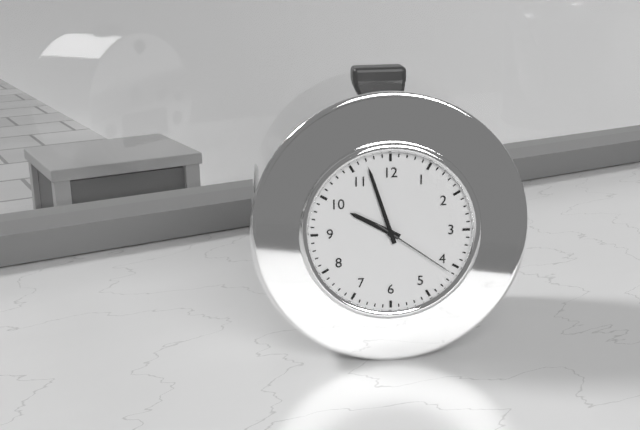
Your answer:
9 h 57 min 21 s
